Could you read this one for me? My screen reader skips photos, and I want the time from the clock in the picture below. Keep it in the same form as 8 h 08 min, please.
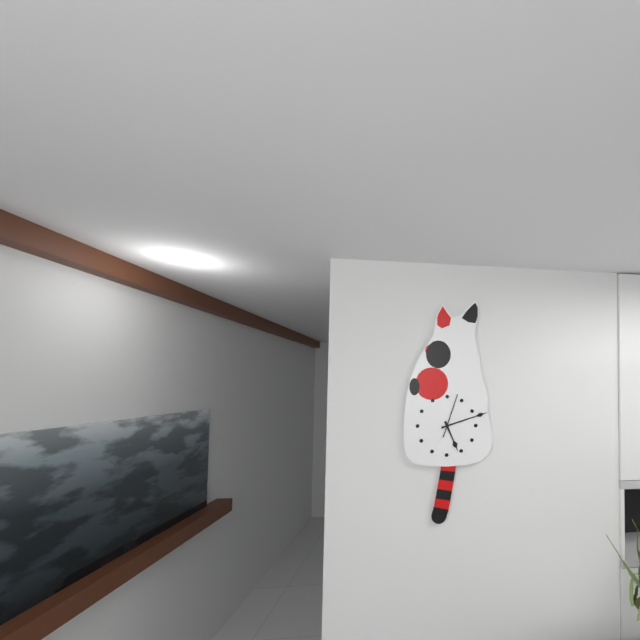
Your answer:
5 h 12 min
